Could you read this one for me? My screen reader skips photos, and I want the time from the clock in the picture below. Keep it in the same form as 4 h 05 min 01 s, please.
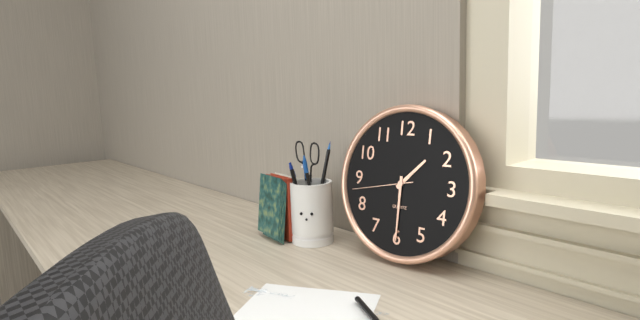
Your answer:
1 h 30 min 43 s
